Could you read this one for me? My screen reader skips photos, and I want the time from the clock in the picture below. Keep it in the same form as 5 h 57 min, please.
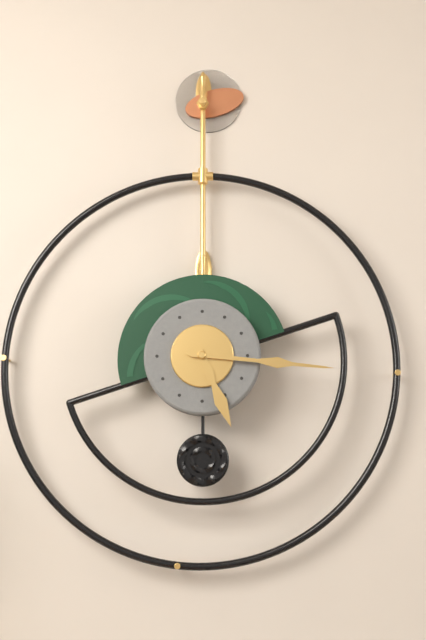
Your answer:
5 h 16 min
